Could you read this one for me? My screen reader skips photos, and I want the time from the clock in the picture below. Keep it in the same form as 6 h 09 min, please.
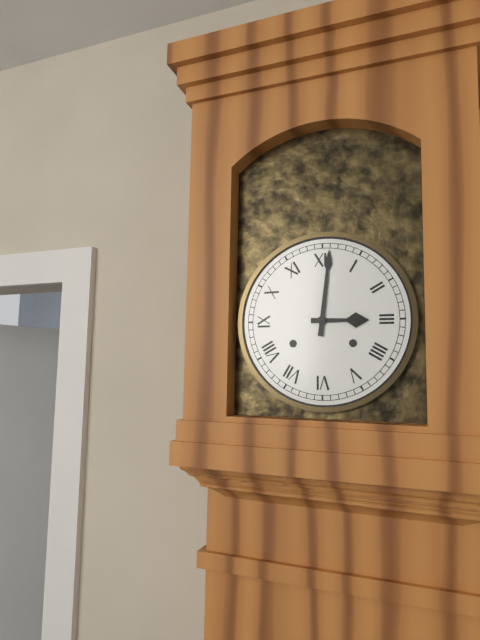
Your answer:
3 h 01 min
